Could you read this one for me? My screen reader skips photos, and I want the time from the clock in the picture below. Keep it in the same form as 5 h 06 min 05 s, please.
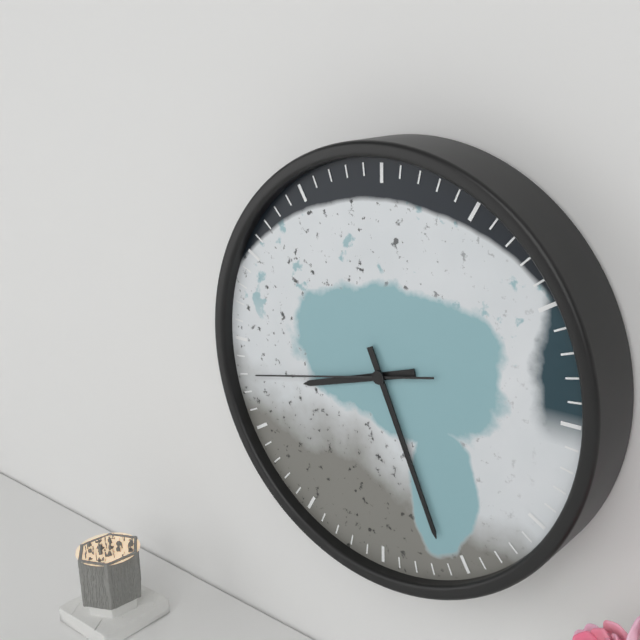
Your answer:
8 h 26 min 43 s
